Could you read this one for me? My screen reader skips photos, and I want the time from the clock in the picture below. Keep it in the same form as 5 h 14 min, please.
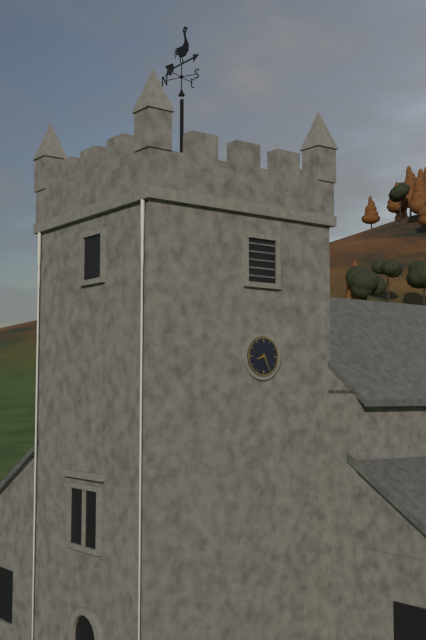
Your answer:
8 h 26 min
